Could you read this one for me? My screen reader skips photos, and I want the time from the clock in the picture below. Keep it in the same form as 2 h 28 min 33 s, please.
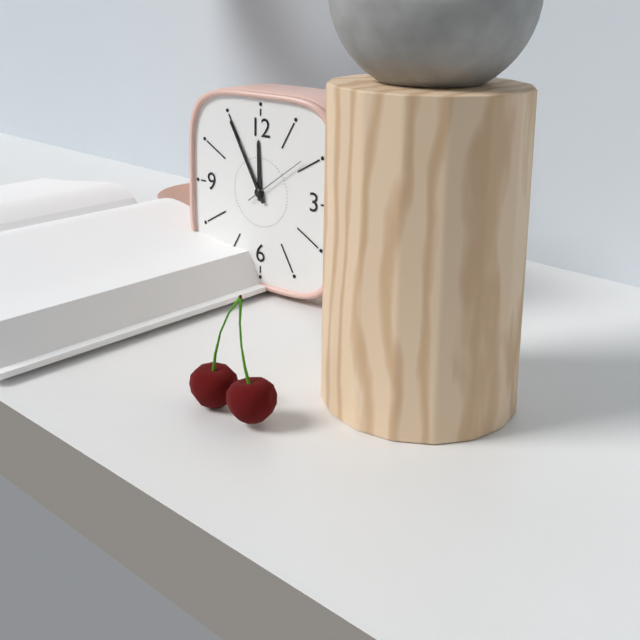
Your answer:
11 h 55 min 09 s
